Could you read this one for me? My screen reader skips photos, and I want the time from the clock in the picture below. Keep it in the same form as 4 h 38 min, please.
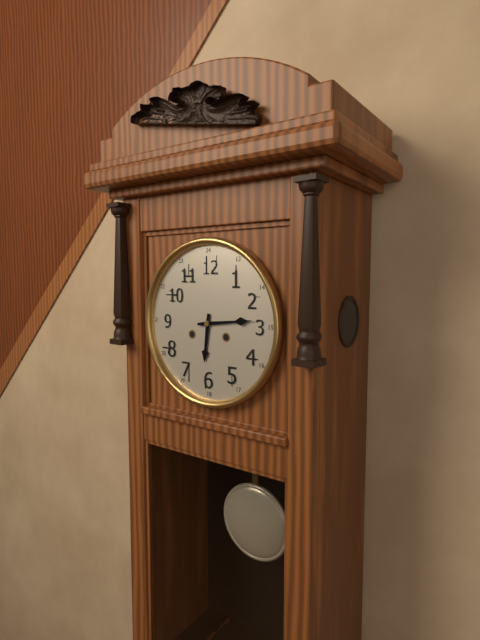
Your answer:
6 h 14 min
